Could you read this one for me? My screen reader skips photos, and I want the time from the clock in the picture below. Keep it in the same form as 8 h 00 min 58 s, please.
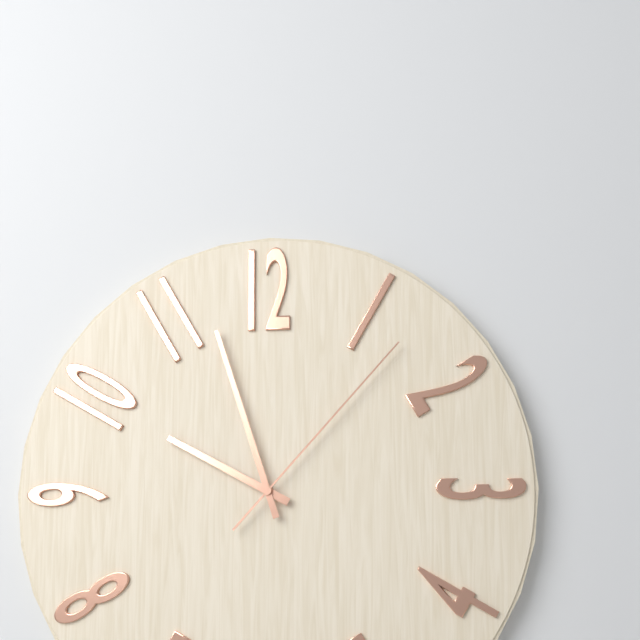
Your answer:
9 h 57 min 07 s
